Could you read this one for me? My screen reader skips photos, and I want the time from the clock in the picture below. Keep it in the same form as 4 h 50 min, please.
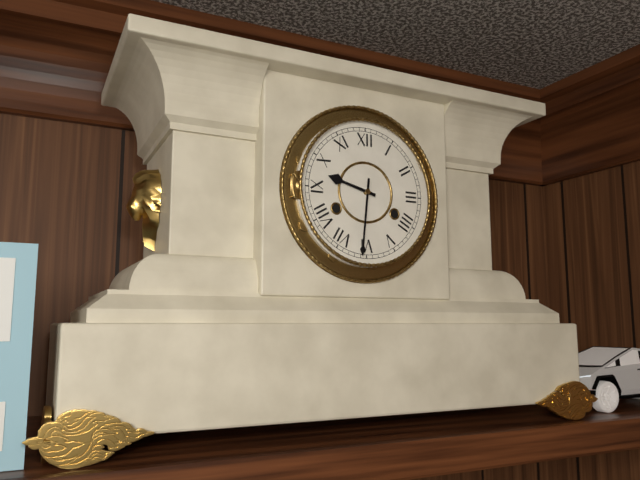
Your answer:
9 h 31 min
